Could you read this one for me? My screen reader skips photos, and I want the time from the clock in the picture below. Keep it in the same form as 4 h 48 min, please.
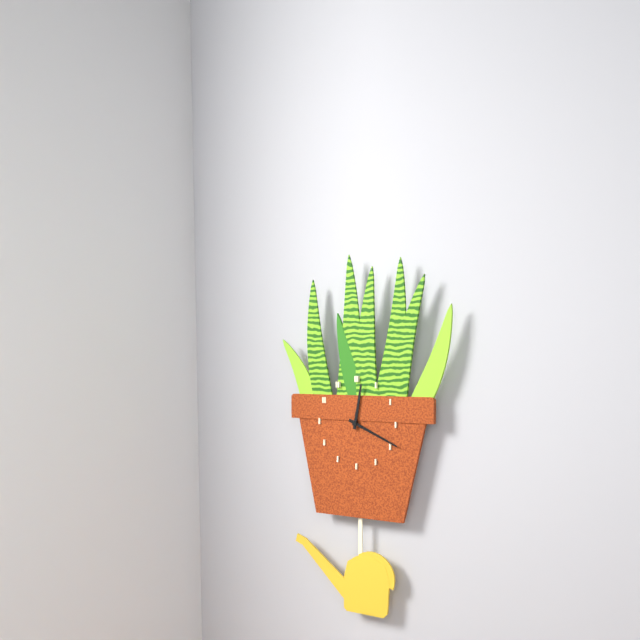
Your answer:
12 h 19 min
